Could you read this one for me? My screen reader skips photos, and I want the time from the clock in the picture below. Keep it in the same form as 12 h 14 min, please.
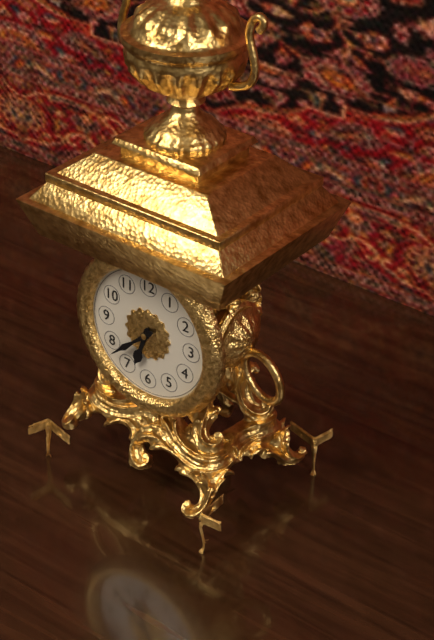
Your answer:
6 h 38 min
